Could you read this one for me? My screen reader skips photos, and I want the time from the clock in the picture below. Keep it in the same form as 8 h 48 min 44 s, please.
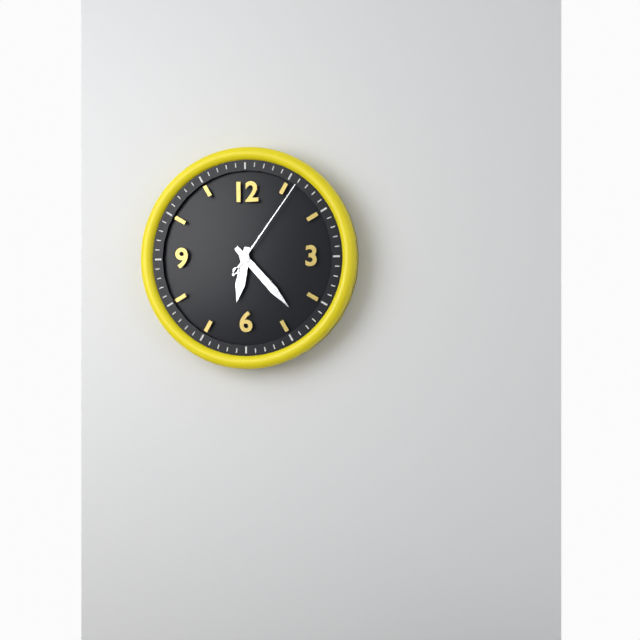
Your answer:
6 h 23 min 06 s
